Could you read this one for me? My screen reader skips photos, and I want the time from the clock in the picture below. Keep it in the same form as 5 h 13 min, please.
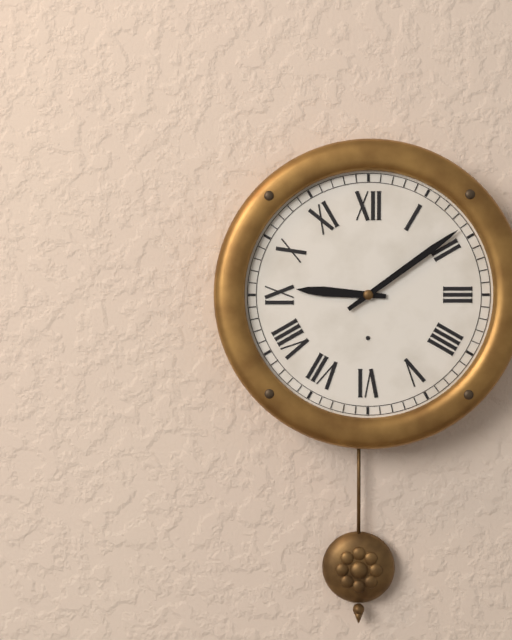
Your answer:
9 h 09 min
